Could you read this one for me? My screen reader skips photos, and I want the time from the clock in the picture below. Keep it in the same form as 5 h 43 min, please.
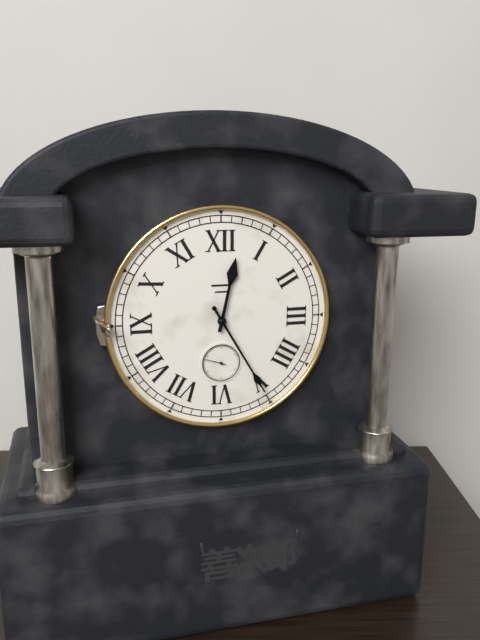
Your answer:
12 h 25 min
